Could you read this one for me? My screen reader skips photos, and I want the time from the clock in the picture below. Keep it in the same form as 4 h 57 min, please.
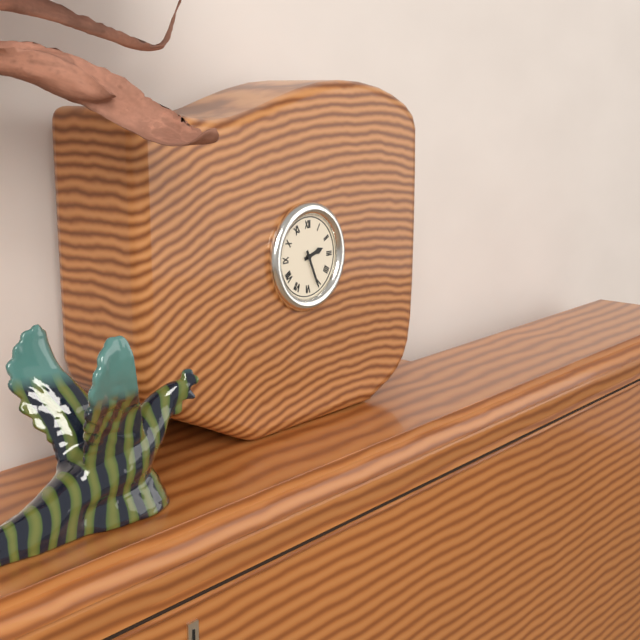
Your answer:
2 h 26 min
